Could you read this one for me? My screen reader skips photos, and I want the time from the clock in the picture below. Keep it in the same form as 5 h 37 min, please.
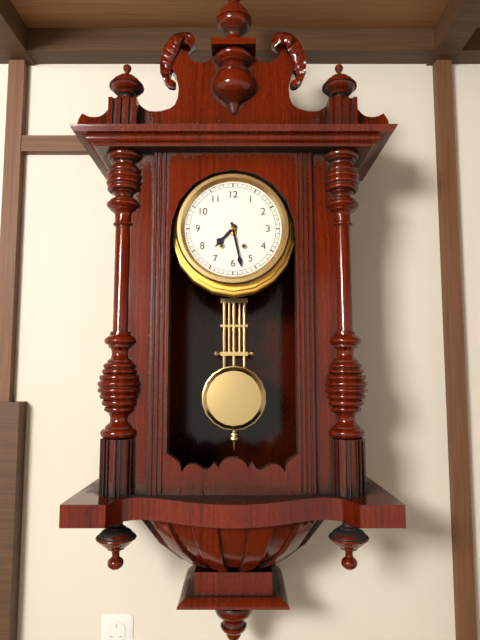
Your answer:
7 h 28 min
